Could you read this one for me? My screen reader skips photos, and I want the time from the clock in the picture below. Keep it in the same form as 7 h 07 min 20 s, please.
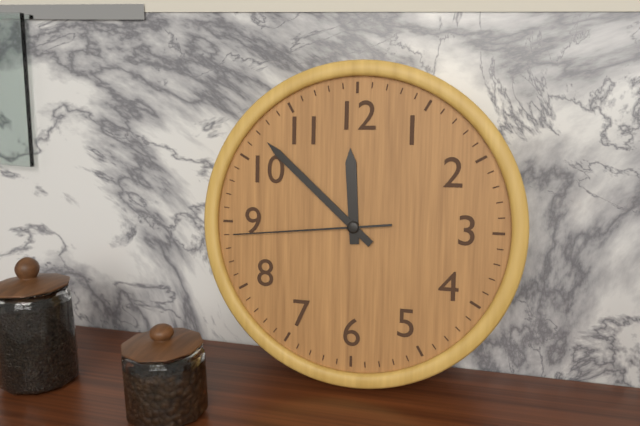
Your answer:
11 h 52 min 44 s
